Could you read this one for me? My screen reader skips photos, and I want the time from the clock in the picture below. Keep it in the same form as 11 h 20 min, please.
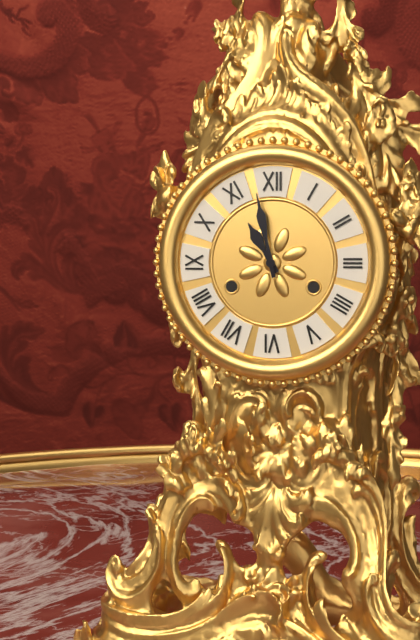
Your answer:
10 h 58 min
